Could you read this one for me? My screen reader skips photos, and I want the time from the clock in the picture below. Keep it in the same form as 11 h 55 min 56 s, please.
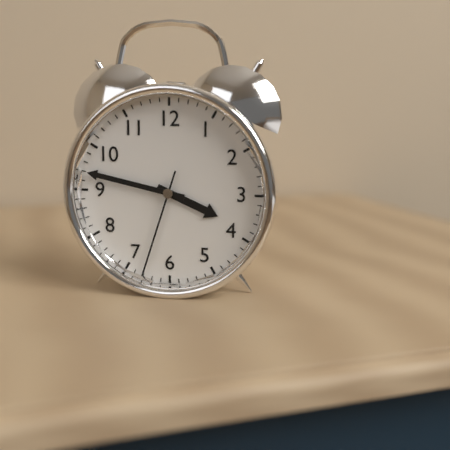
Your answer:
3 h 47 min 33 s
